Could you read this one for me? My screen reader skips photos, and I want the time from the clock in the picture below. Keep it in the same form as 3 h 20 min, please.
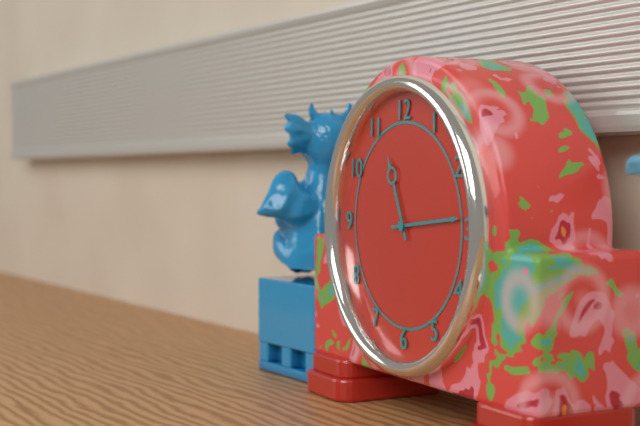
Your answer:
11 h 14 min
